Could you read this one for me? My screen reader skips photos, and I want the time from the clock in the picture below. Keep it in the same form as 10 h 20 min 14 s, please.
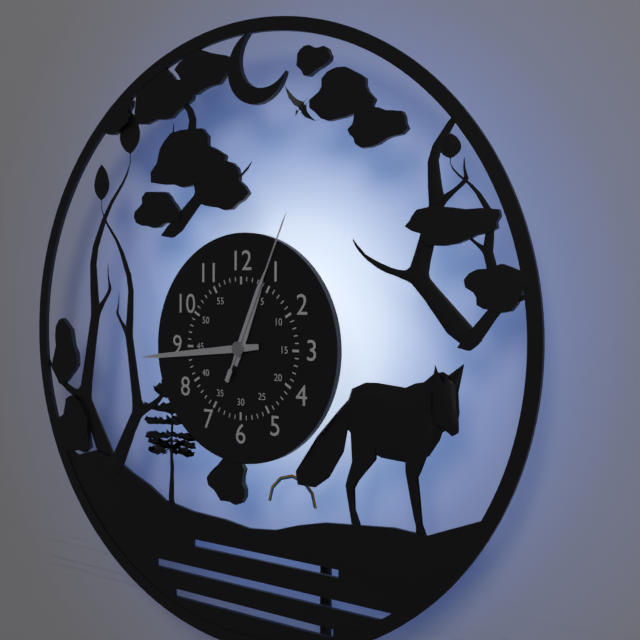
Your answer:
12 h 44 min 04 s
